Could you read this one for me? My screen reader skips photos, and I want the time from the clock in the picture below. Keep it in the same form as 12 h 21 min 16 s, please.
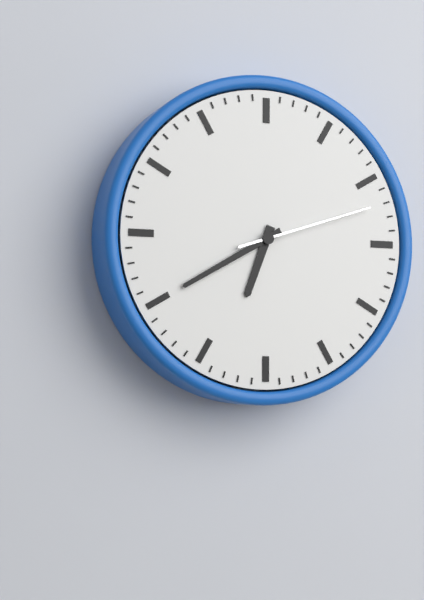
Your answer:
6 h 40 min 12 s
